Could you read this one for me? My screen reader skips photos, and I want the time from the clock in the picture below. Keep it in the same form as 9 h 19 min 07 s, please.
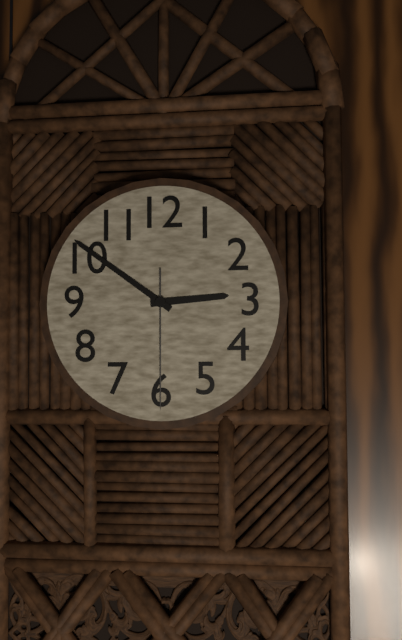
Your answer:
2 h 51 min 30 s
